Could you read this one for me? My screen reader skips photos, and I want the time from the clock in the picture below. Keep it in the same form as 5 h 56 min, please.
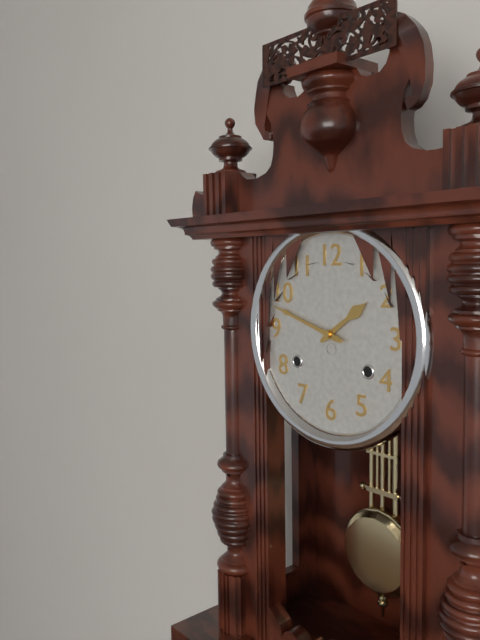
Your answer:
1 h 48 min
